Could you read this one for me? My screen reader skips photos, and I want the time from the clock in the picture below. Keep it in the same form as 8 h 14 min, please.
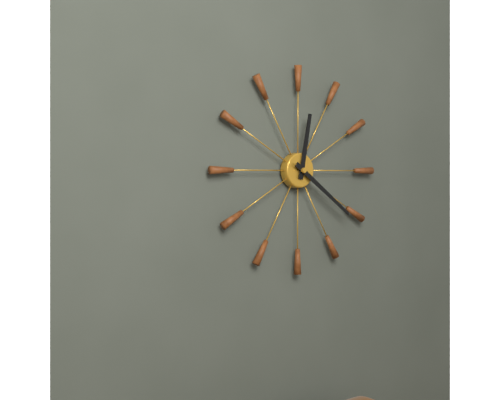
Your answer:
12 h 21 min
